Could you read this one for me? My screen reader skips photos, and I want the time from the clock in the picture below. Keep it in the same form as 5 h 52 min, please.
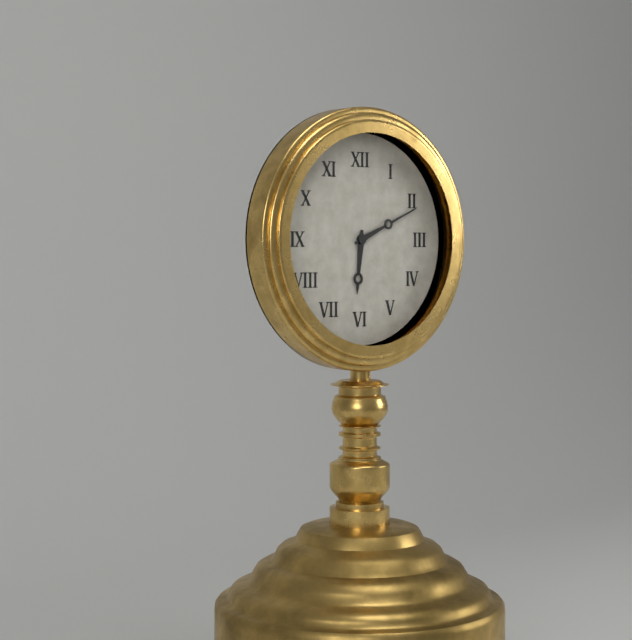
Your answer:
6 h 11 min
